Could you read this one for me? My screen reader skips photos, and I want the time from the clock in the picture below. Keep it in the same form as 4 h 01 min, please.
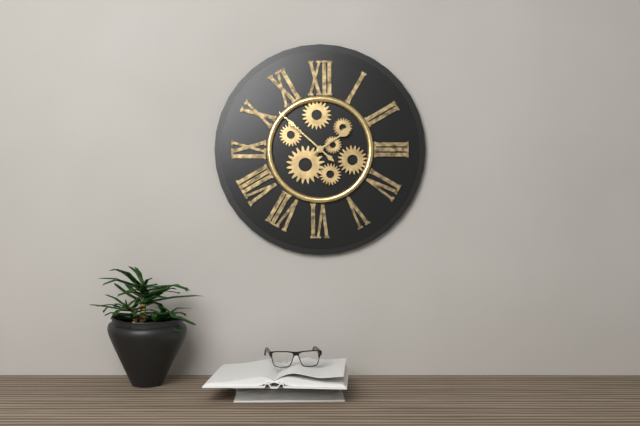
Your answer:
1 h 52 min
